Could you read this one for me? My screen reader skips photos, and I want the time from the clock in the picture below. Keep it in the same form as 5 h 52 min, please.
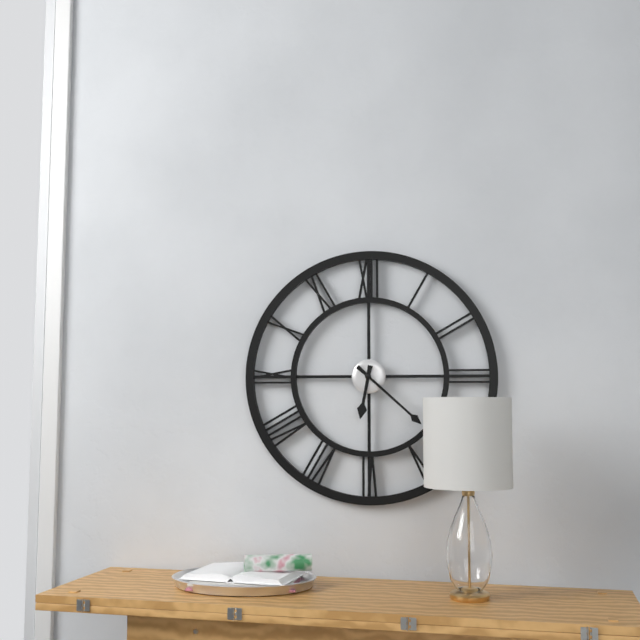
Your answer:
6 h 22 min
